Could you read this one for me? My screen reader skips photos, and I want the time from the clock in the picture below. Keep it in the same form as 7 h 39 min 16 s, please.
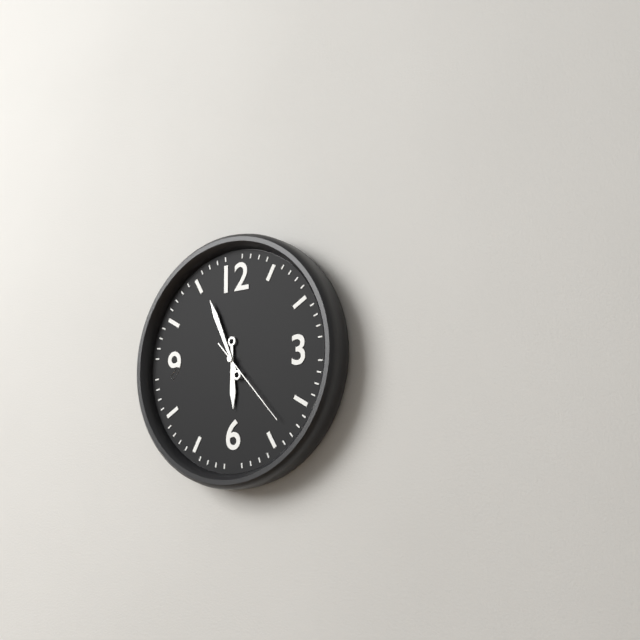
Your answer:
5 h 56 min 23 s
